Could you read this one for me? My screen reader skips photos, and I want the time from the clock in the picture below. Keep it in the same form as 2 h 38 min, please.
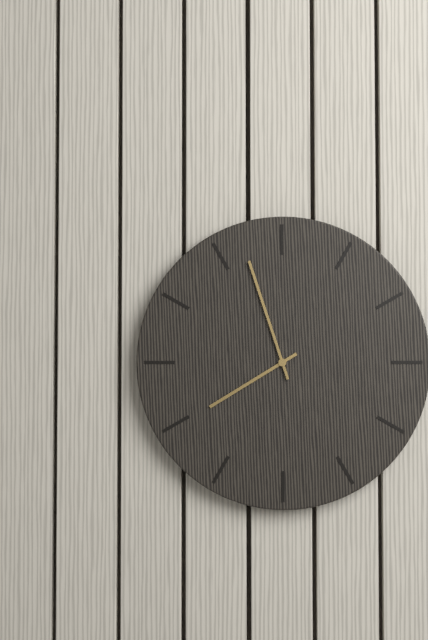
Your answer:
7 h 57 min
